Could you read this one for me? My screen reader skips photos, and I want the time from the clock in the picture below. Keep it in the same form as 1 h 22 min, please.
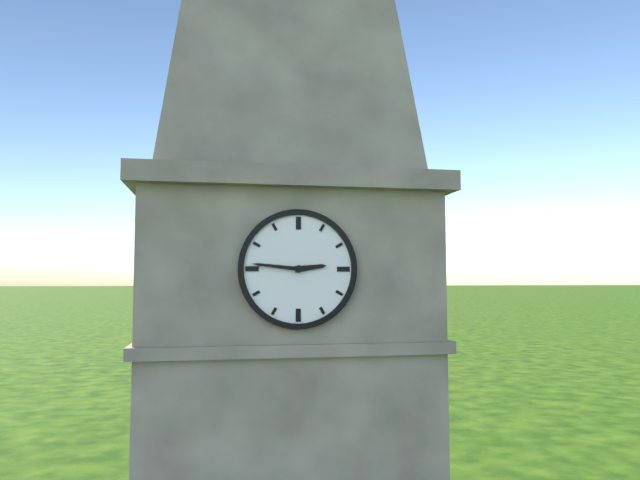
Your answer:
2 h 46 min
